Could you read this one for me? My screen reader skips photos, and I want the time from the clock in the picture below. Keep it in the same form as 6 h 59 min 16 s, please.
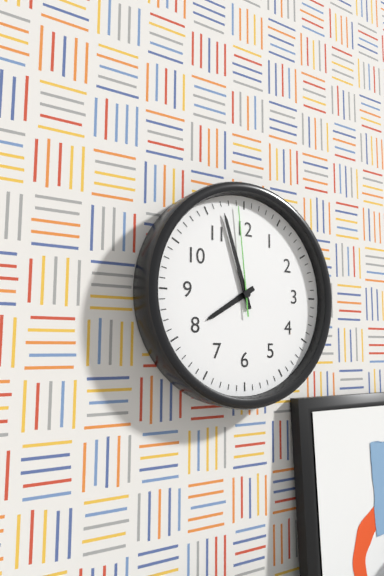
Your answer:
7 h 57 min 59 s
